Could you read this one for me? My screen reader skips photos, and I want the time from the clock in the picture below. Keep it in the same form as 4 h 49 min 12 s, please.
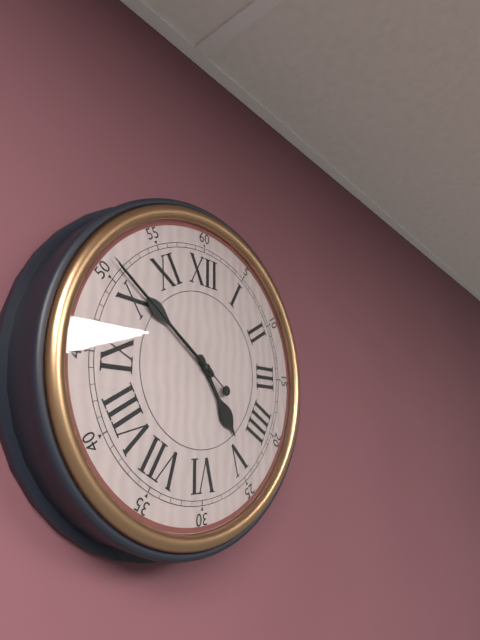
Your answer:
4 h 51 min 51 s
